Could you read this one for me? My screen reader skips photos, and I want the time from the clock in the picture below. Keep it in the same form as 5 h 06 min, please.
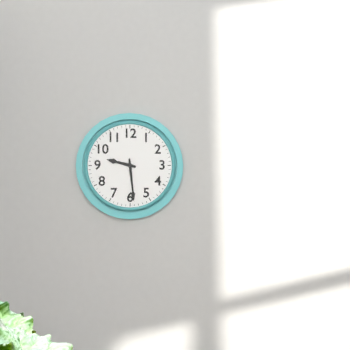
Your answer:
9 h 29 min
